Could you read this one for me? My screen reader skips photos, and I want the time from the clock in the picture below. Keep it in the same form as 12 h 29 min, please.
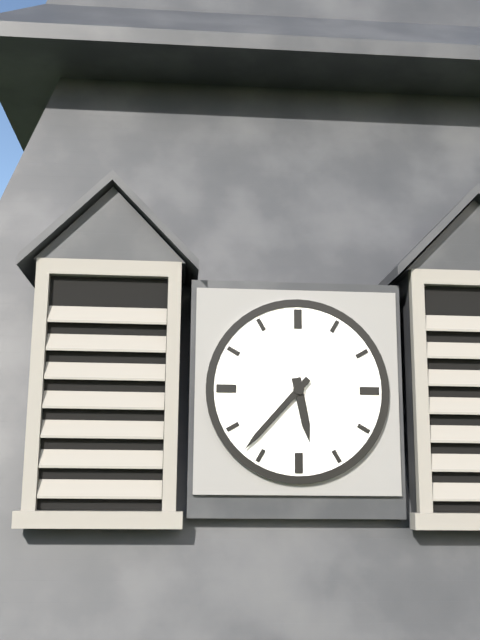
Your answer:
5 h 37 min
